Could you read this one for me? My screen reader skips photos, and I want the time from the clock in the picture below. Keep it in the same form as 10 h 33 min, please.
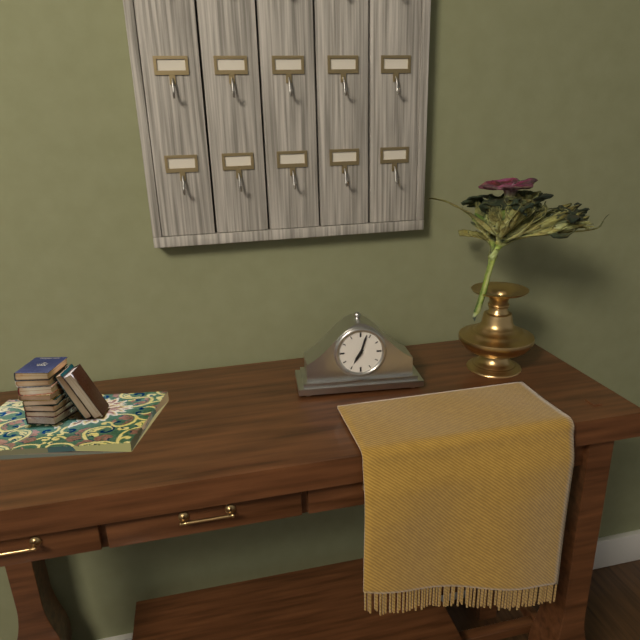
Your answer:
7 h 03 min
